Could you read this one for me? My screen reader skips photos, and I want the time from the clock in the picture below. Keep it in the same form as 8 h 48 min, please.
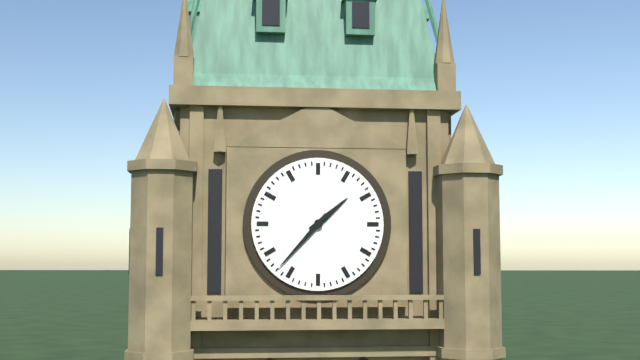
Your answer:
1 h 37 min
